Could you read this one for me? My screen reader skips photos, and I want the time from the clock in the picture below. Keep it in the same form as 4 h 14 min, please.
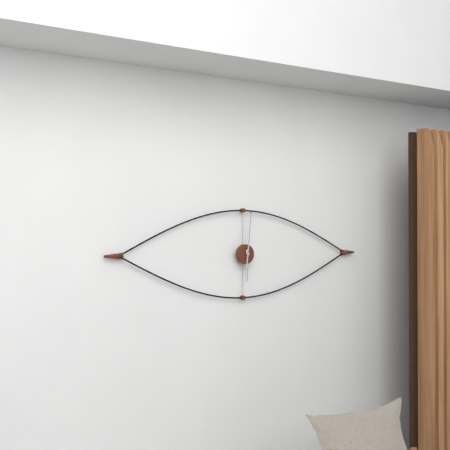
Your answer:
6 h 01 min
